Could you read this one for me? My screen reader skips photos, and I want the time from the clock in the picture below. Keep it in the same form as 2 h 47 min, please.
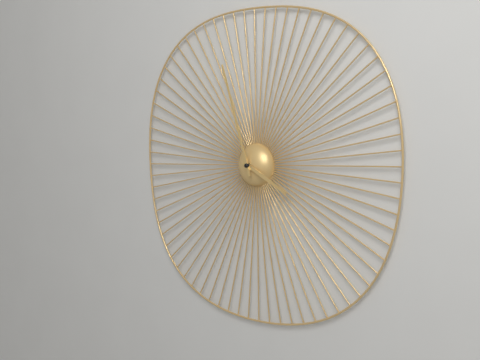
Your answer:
3 h 57 min
